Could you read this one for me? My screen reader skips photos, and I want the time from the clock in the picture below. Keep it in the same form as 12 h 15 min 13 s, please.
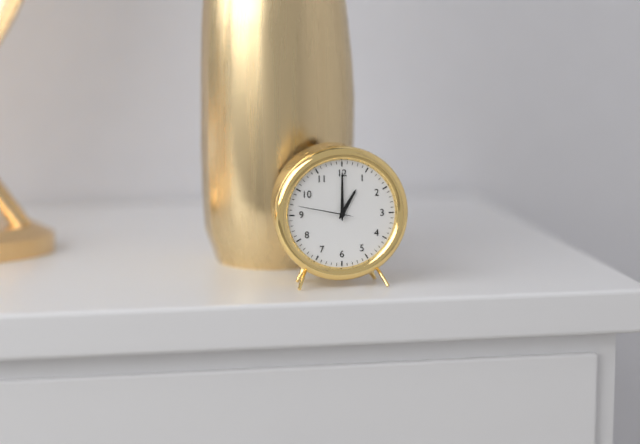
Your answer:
1 h 00 min 47 s
